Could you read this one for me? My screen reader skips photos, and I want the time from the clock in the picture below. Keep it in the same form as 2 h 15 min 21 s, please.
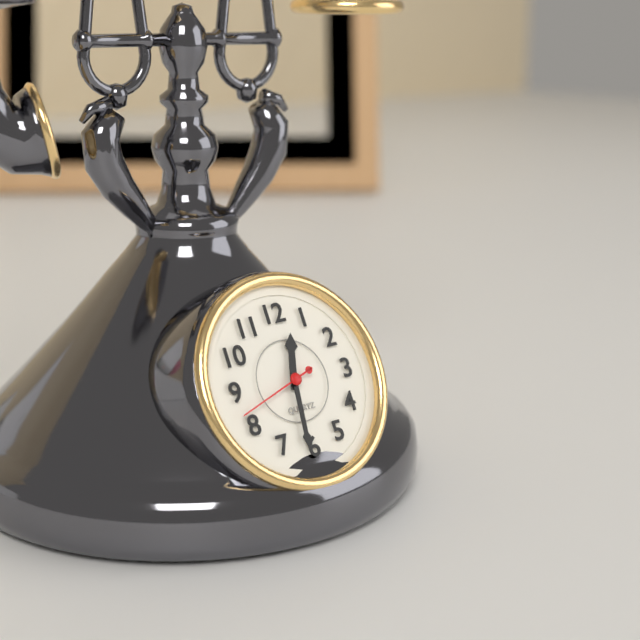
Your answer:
12 h 31 min 42 s
